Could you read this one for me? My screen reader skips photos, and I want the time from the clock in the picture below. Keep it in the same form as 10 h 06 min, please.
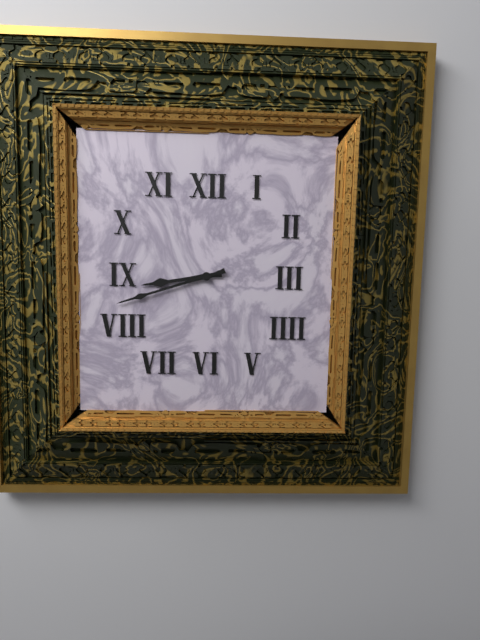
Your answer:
8 h 42 min
